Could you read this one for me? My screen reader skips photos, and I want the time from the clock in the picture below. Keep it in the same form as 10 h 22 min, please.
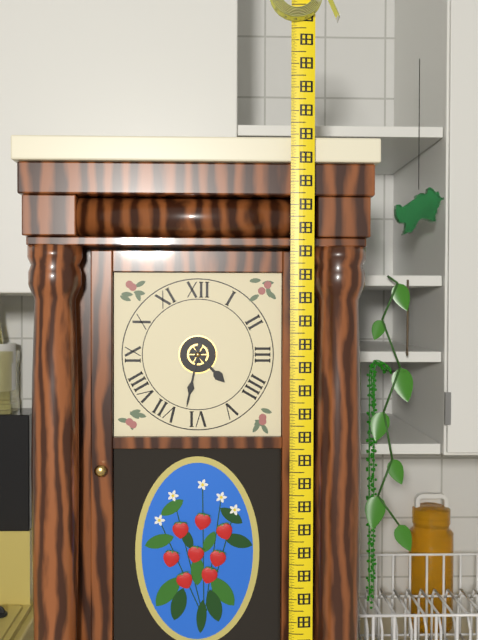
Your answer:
4 h 32 min
